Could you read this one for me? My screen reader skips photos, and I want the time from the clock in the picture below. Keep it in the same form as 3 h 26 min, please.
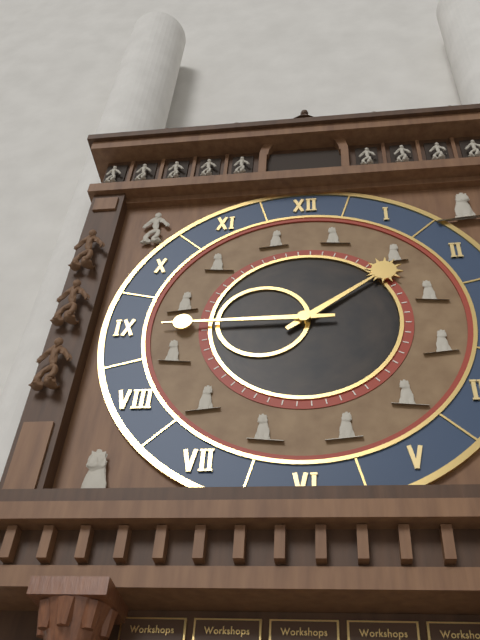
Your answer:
1 h 45 min
